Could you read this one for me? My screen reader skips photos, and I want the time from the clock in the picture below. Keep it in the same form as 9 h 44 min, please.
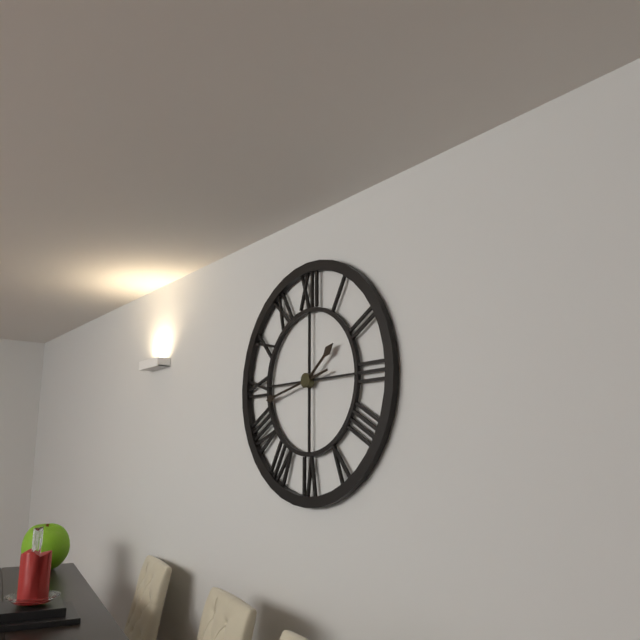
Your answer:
1 h 43 min
